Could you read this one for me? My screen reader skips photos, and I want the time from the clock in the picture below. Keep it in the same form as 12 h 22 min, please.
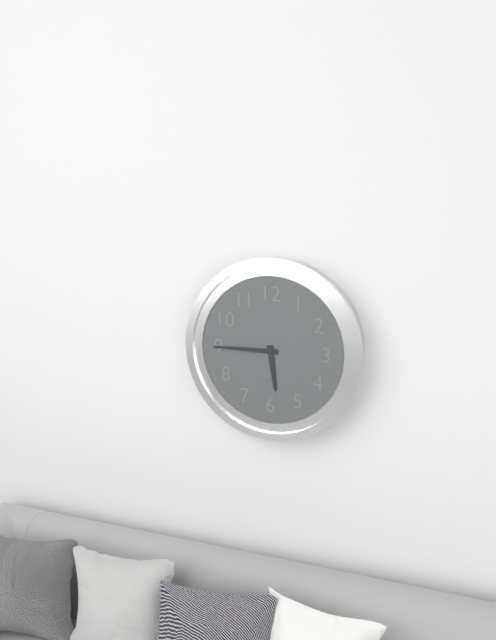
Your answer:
5 h 45 min
